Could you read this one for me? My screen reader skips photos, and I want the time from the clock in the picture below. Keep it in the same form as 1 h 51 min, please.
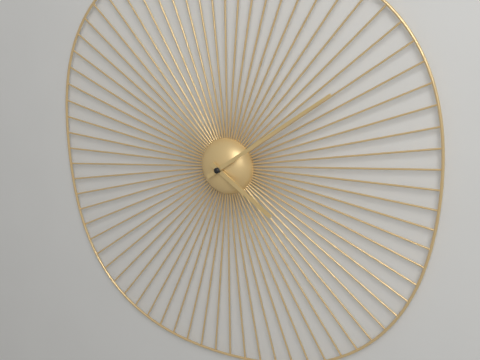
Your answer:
4 h 09 min
